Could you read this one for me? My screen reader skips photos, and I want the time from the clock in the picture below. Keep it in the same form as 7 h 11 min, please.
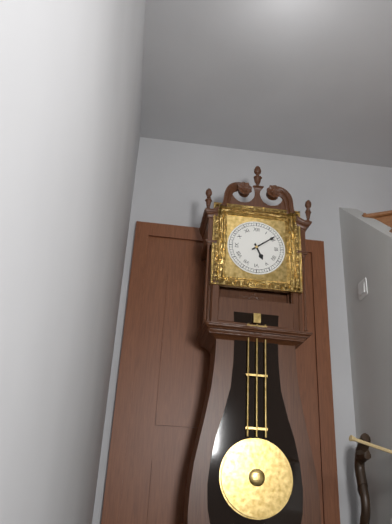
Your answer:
5 h 09 min
